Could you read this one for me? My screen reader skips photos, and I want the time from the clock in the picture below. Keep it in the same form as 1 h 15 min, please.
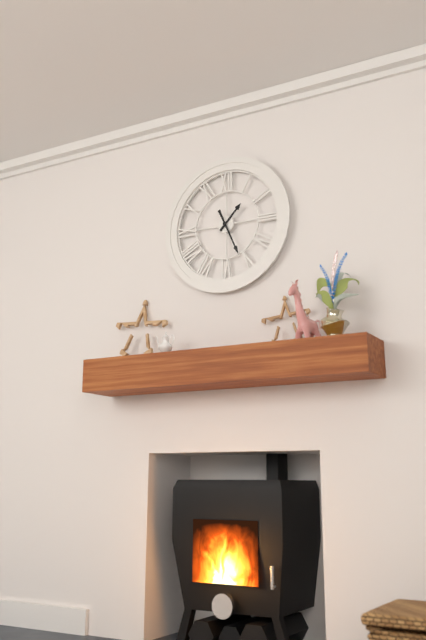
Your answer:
1 h 26 min
